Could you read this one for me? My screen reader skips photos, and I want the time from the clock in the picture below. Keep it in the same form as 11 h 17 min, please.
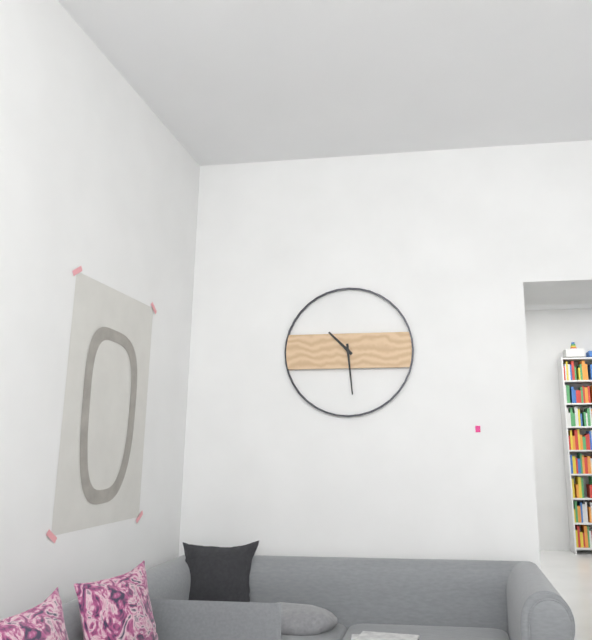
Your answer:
10 h 29 min
